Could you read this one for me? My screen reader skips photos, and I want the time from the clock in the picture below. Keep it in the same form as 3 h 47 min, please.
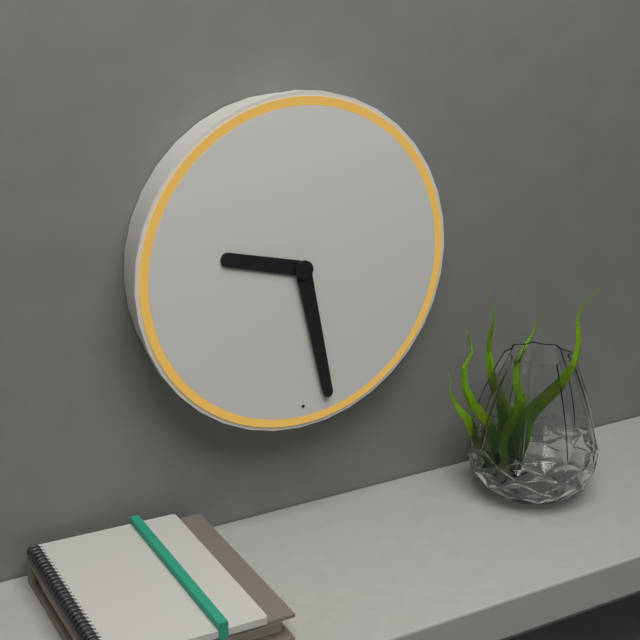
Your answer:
9 h 28 min
